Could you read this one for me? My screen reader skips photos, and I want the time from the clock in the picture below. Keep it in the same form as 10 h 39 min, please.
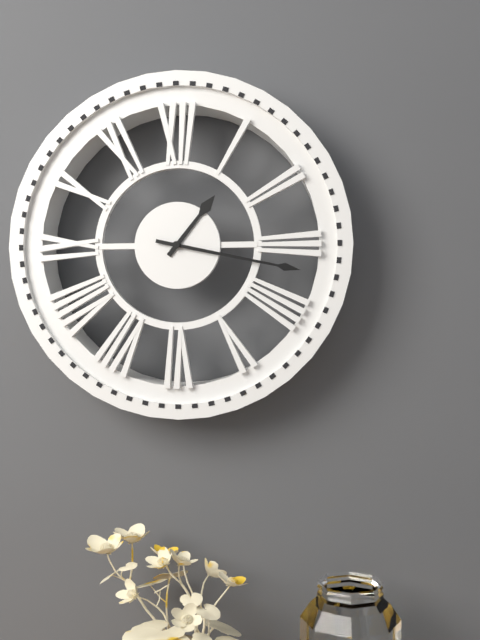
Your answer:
1 h 17 min
